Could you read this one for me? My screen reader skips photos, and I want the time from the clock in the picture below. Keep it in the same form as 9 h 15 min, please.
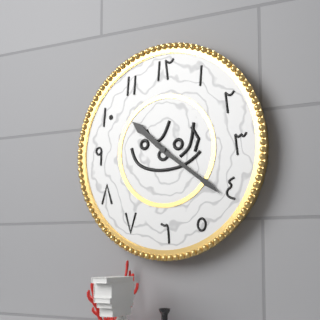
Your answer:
10 h 21 min
